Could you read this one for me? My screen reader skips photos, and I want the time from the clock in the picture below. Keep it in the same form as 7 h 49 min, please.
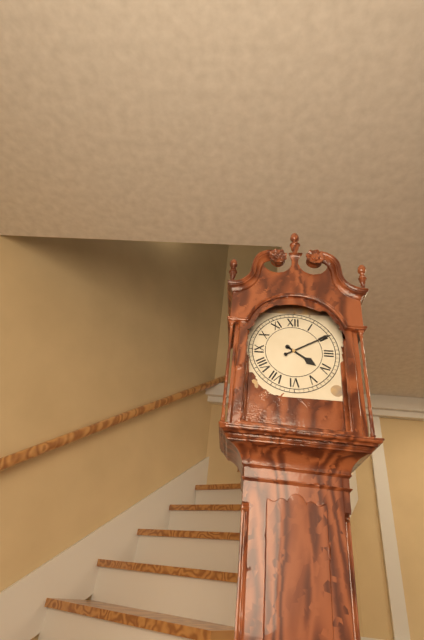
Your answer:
4 h 10 min
